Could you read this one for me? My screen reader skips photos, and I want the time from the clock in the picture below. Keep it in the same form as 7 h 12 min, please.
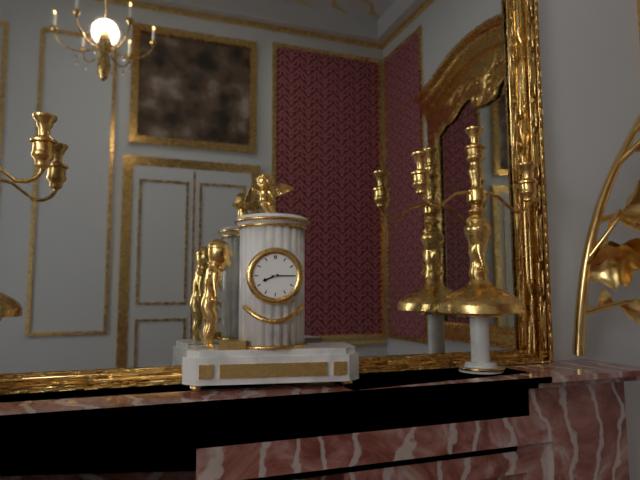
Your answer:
8 h 15 min
